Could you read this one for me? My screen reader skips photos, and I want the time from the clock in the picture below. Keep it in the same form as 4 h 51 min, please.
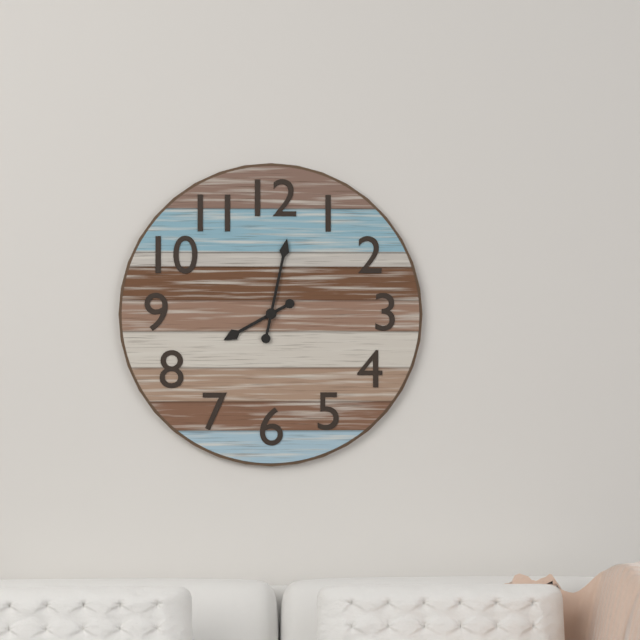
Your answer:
8 h 02 min
